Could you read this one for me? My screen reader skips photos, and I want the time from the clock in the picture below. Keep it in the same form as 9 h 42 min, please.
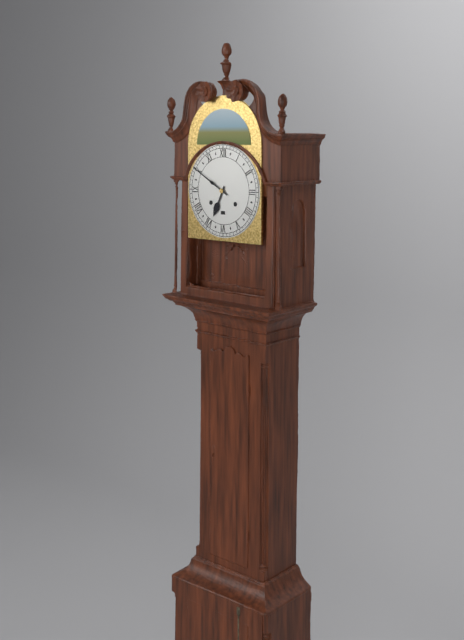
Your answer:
6 h 50 min
